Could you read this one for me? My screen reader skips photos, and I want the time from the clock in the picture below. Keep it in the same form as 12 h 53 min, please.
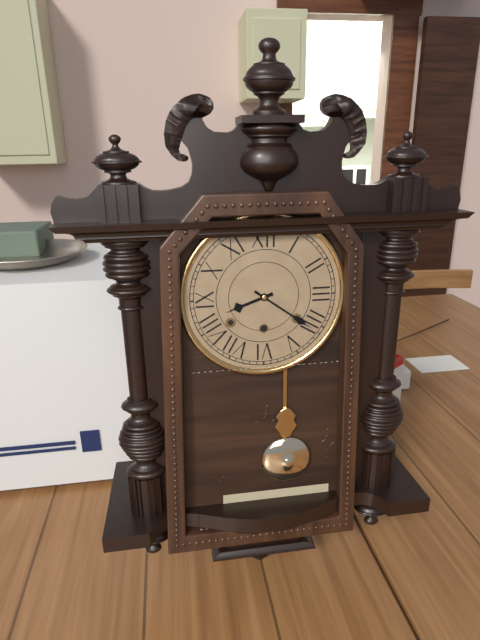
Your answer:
8 h 21 min
